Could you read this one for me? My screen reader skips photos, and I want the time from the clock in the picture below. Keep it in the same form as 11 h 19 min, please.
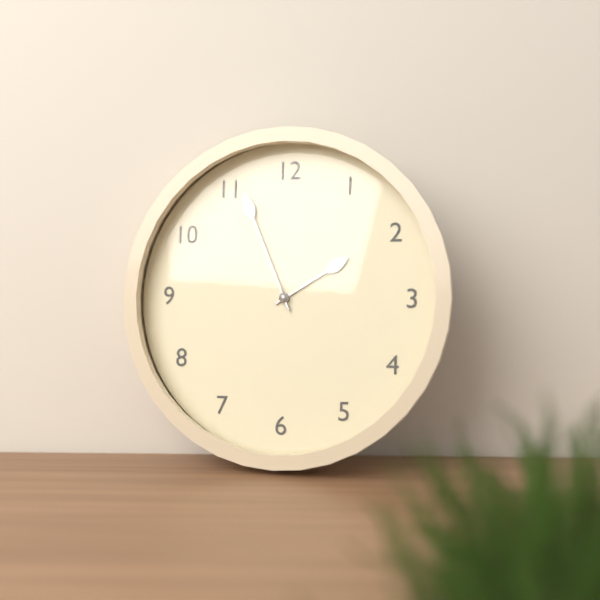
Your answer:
1 h 56 min
